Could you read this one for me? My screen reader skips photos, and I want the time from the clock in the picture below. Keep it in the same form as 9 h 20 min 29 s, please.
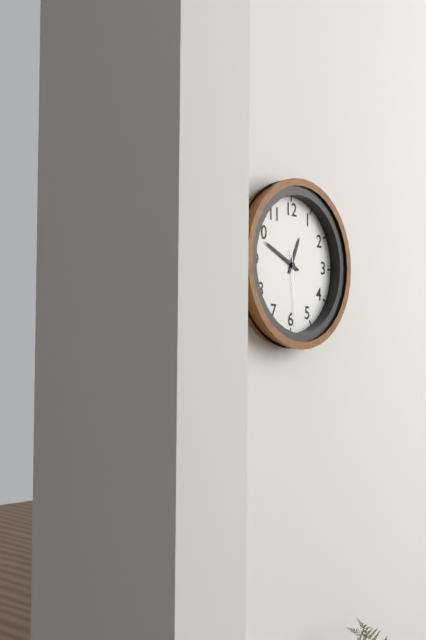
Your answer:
12 h 49 min 29 s
